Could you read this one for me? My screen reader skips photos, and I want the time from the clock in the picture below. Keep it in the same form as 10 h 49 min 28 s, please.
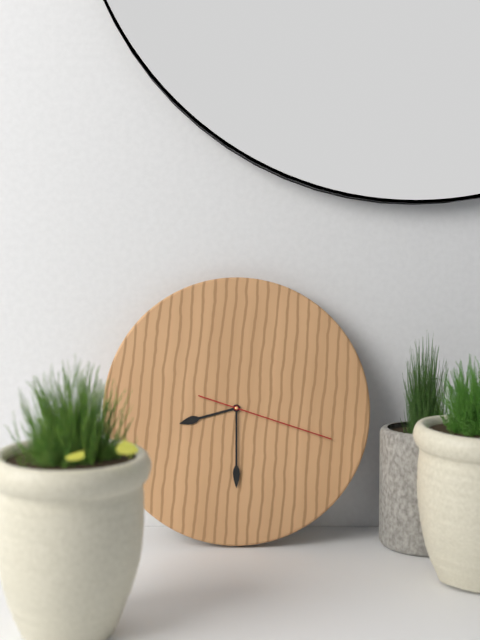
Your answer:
8 h 30 min 18 s
